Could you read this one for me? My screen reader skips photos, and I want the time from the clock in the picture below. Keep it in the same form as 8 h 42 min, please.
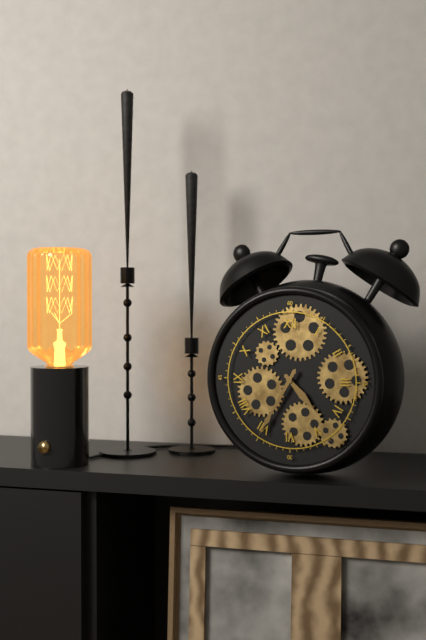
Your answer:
4 h 35 min
